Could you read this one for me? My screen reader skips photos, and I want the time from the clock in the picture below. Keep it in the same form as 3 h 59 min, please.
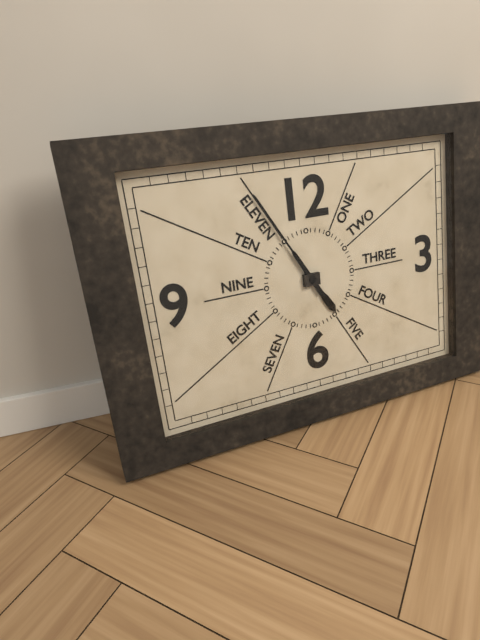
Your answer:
4 h 55 min
